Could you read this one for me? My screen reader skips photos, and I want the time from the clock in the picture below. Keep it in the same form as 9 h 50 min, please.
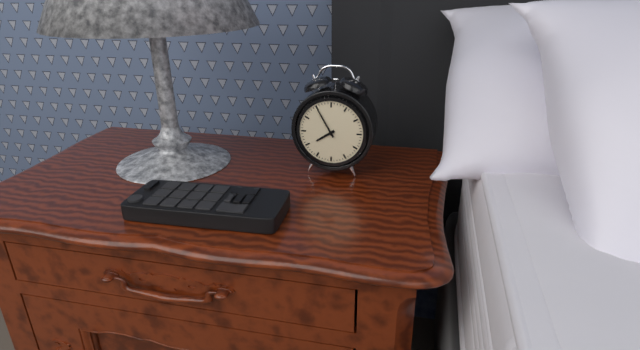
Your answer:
7 h 55 min
